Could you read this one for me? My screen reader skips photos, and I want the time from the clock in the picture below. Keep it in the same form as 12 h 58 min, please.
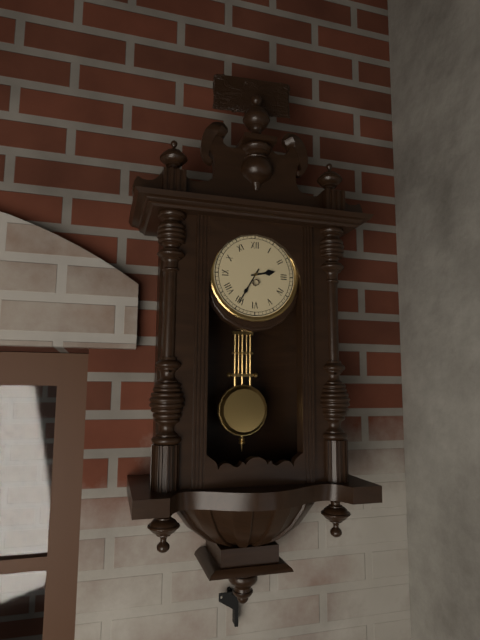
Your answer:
2 h 35 min
